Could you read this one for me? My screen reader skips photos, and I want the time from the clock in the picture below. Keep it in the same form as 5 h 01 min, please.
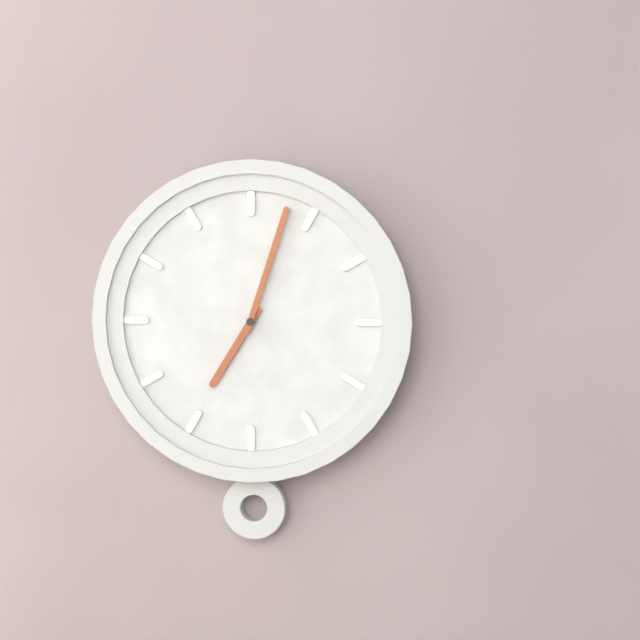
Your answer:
7 h 03 min
